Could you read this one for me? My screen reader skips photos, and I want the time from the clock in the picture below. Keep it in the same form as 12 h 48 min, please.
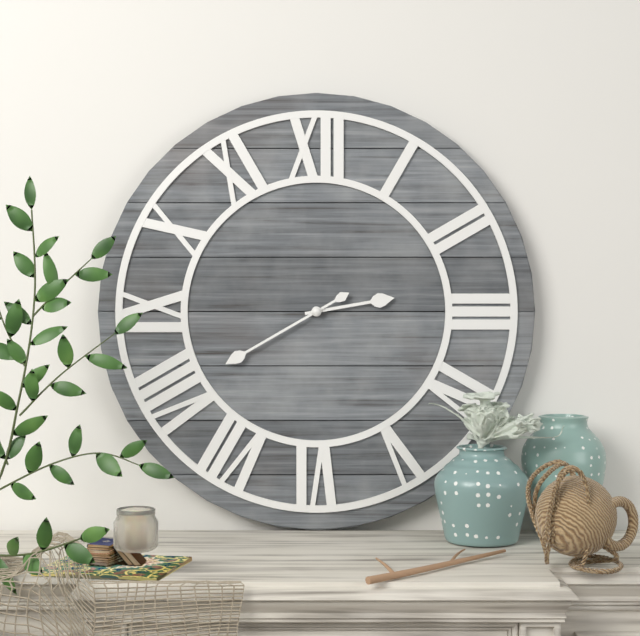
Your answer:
2 h 40 min
